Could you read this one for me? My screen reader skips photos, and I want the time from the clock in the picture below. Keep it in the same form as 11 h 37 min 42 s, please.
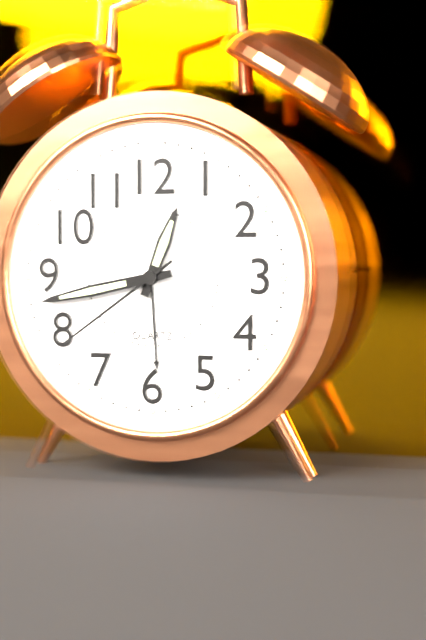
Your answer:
12 h 43 min 39 s
